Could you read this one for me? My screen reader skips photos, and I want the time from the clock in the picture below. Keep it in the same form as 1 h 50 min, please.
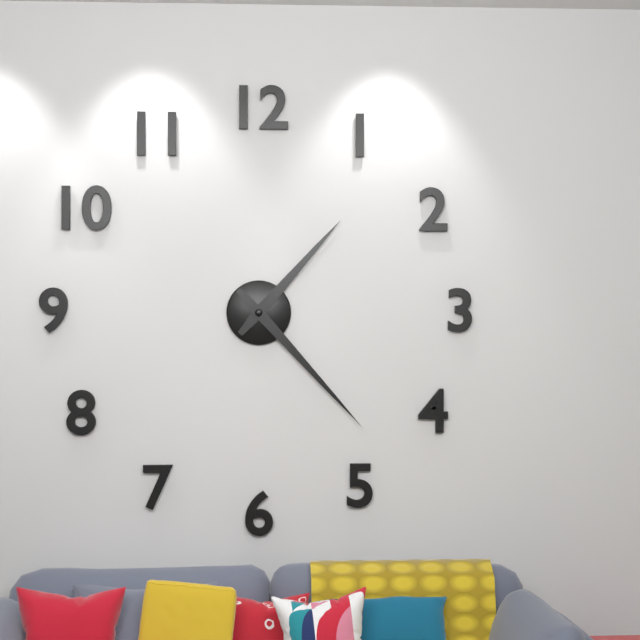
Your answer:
1 h 23 min
